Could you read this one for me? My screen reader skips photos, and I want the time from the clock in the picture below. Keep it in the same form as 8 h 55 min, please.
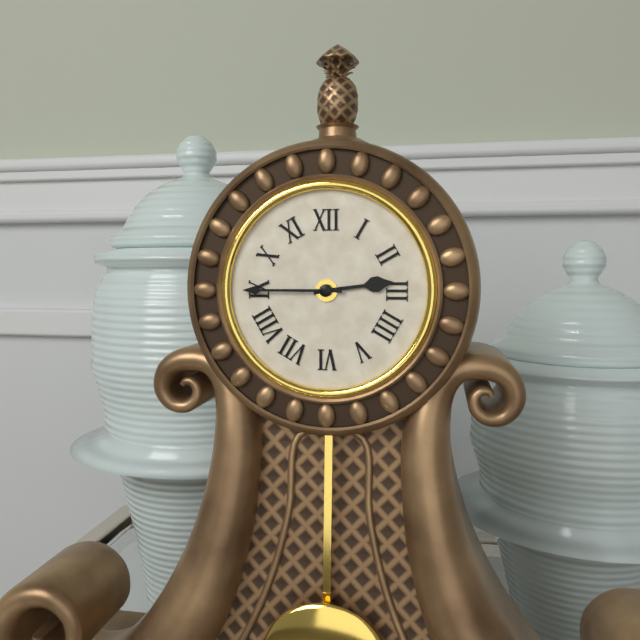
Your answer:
2 h 45 min
